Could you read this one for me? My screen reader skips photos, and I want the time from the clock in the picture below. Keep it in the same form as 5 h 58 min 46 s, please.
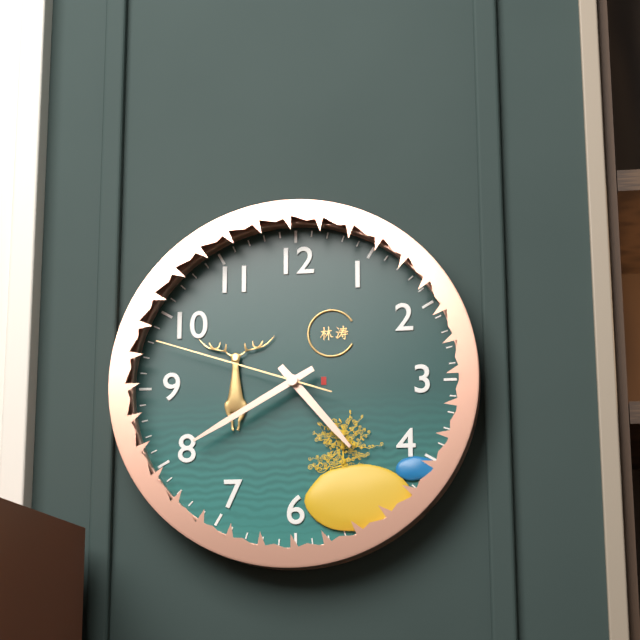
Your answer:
4 h 40 min 48 s
